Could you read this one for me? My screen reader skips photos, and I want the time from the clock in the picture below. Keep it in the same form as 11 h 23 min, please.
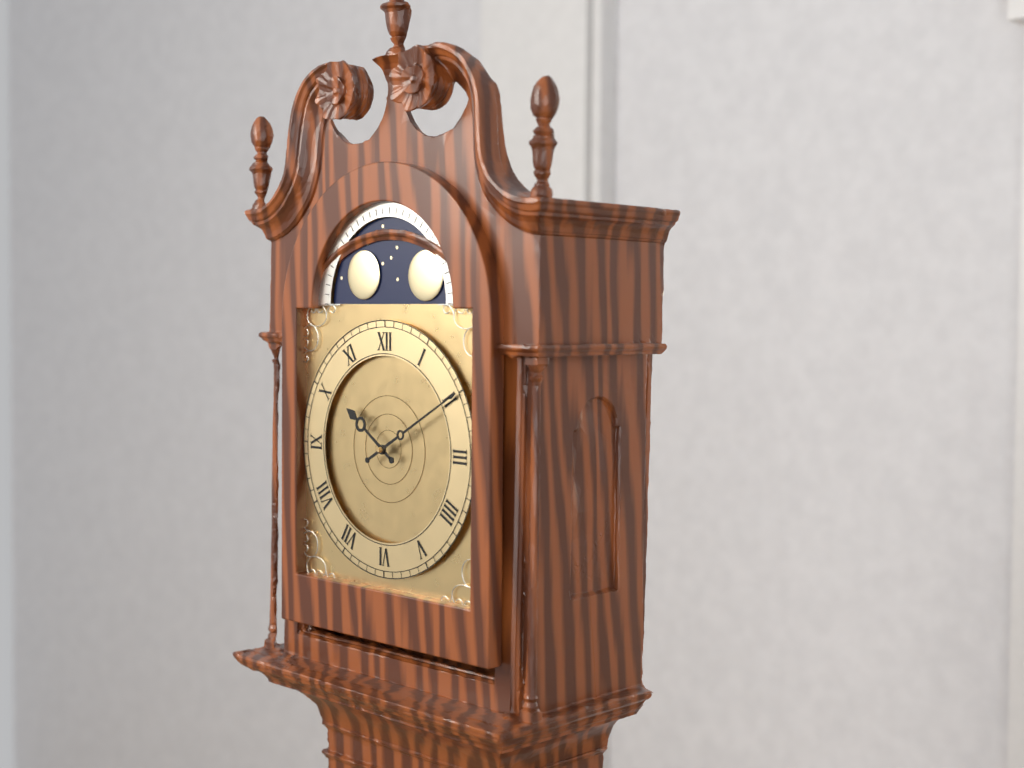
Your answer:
10 h 10 min
